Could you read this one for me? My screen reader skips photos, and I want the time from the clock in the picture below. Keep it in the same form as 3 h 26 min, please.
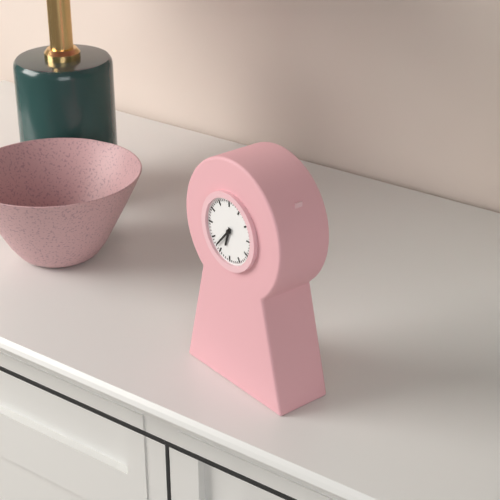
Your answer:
6 h 37 min
